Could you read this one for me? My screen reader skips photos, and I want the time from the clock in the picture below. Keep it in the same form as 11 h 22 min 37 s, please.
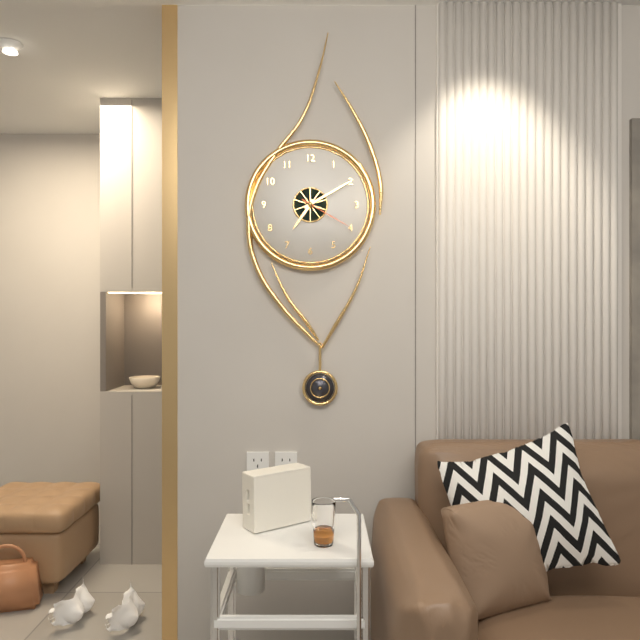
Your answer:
7 h 10 min 20 s
